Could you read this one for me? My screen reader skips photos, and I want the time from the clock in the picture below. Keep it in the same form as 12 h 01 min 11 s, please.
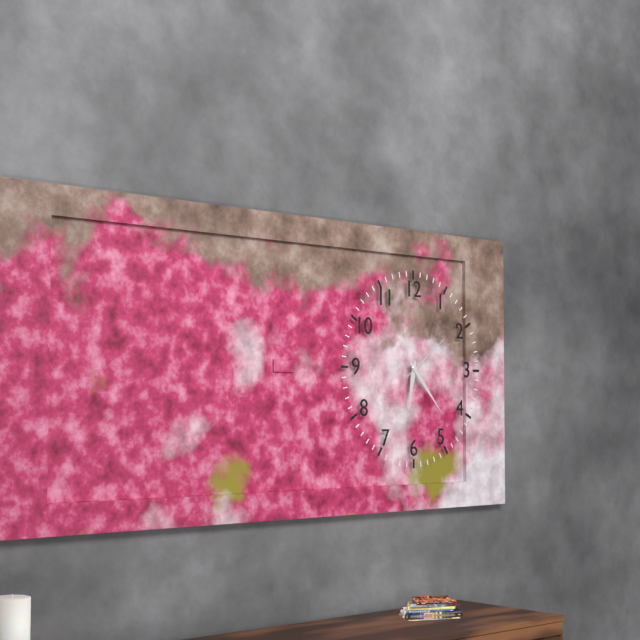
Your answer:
6 h 23 min 09 s
